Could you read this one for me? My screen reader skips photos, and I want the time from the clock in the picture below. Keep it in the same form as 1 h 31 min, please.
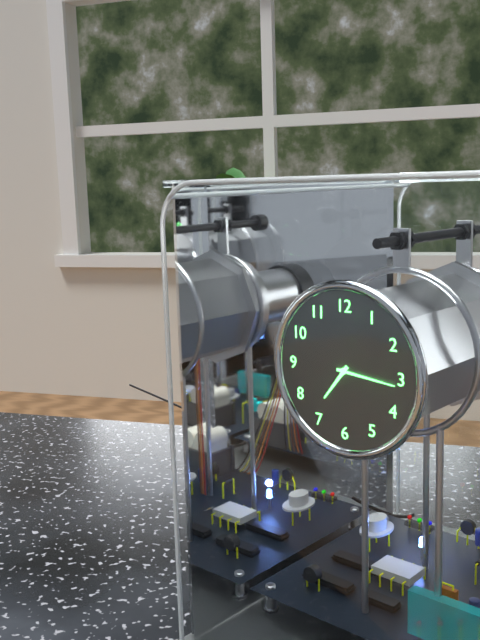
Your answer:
7 h 16 min
